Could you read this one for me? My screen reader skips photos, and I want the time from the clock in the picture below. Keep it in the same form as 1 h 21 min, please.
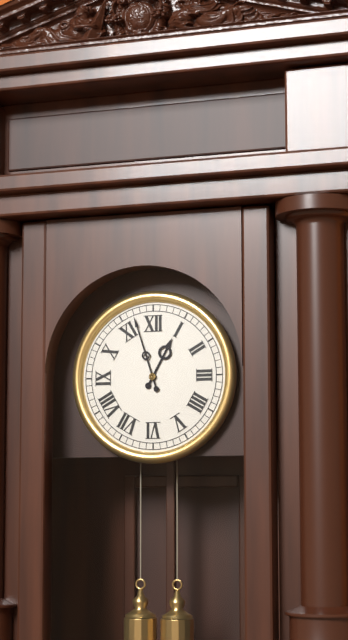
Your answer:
12 h 57 min
